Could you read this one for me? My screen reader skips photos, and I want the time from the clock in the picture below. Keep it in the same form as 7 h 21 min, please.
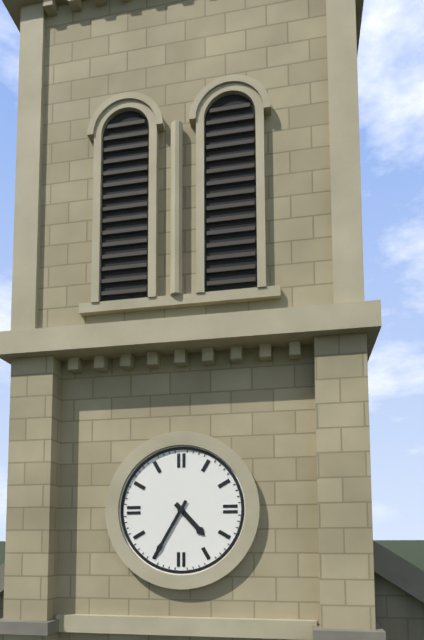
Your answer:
4 h 35 min
